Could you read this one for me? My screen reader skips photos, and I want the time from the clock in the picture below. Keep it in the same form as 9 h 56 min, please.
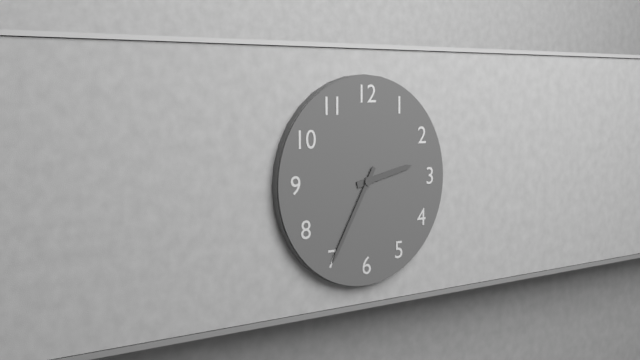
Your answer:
2 h 35 min
